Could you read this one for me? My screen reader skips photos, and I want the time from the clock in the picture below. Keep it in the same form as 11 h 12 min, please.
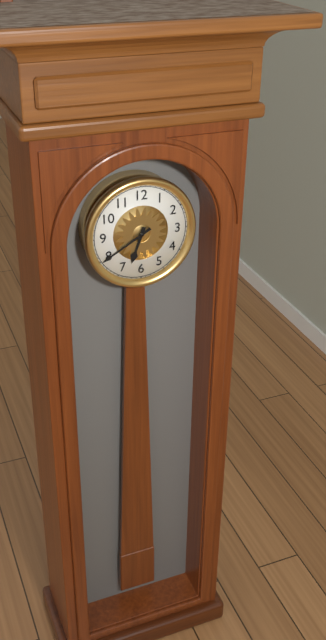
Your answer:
6 h 40 min
